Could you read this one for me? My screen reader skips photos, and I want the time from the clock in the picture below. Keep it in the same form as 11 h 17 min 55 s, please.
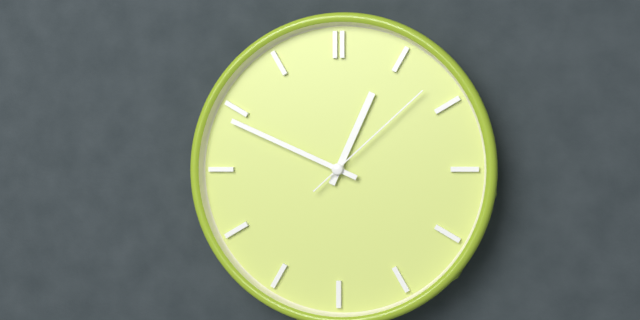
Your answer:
12 h 49 min 08 s
